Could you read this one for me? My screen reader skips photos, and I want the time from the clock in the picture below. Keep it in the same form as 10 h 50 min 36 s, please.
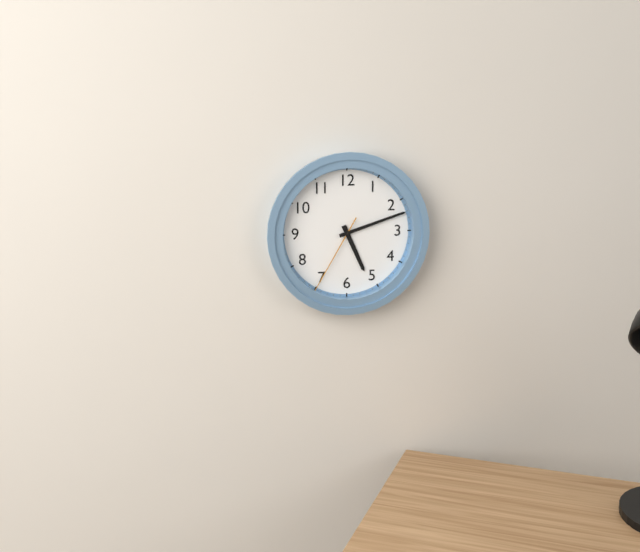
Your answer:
5 h 12 min 35 s
